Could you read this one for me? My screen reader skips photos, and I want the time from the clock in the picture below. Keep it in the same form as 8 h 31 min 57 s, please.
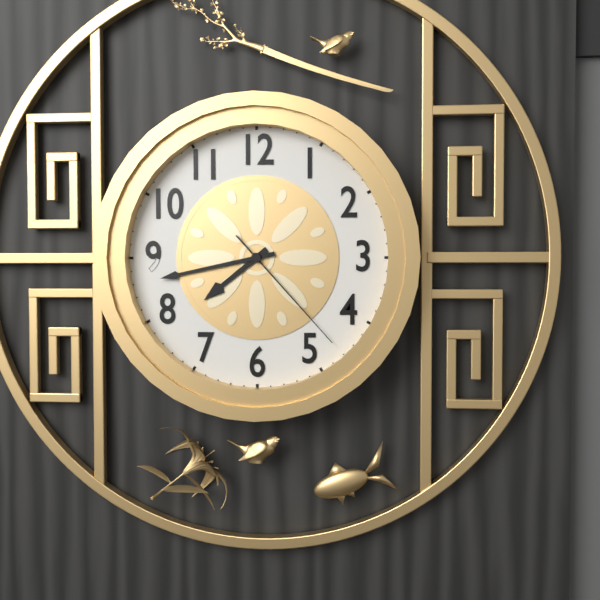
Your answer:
7 h 43 min 23 s
